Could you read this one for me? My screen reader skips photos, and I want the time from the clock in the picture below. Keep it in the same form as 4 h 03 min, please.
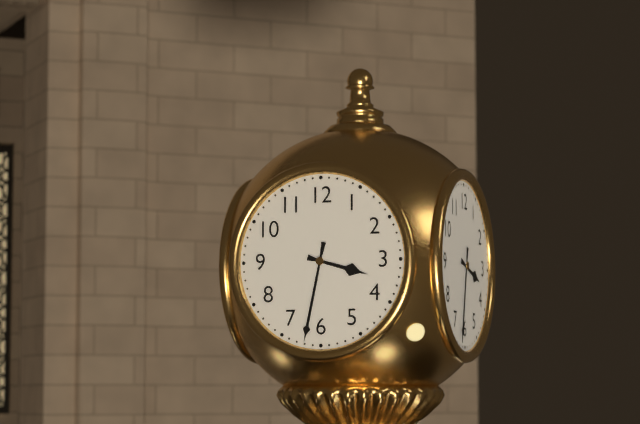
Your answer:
3 h 32 min
